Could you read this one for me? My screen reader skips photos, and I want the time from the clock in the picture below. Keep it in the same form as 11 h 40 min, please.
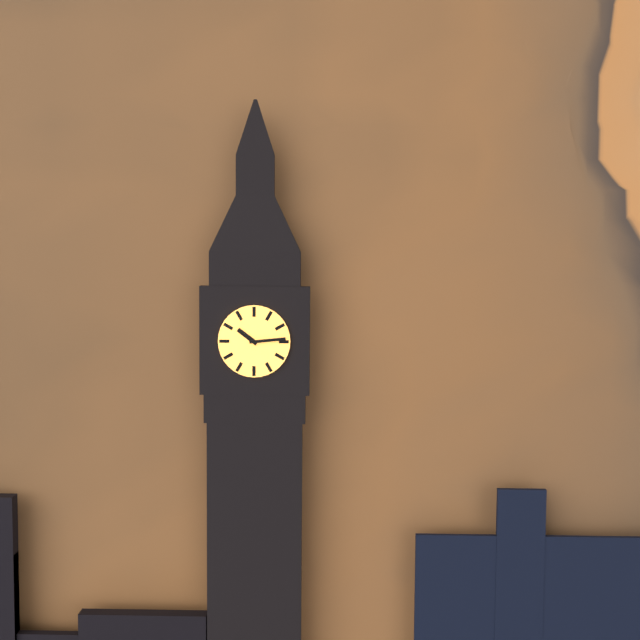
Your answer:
10 h 14 min
